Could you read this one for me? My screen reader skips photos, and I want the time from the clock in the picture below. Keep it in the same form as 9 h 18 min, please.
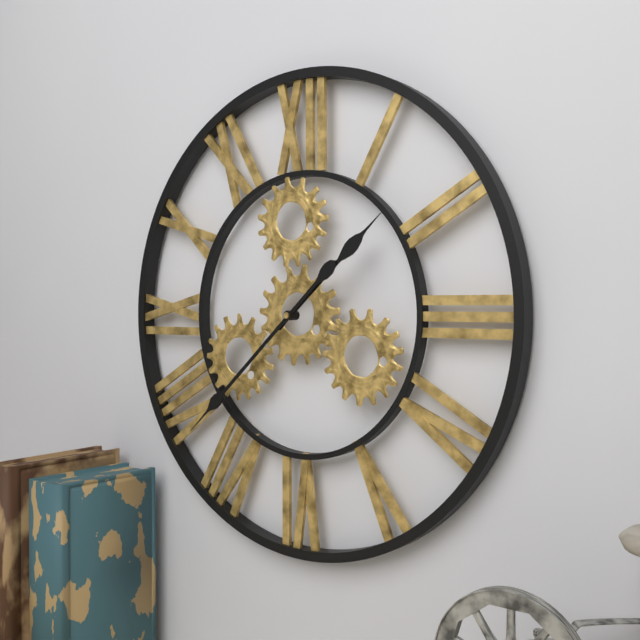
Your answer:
1 h 38 min
